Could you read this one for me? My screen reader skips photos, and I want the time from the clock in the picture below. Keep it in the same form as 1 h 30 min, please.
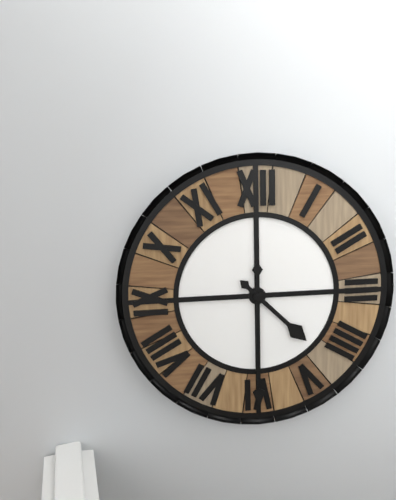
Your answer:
4 h 30 min
